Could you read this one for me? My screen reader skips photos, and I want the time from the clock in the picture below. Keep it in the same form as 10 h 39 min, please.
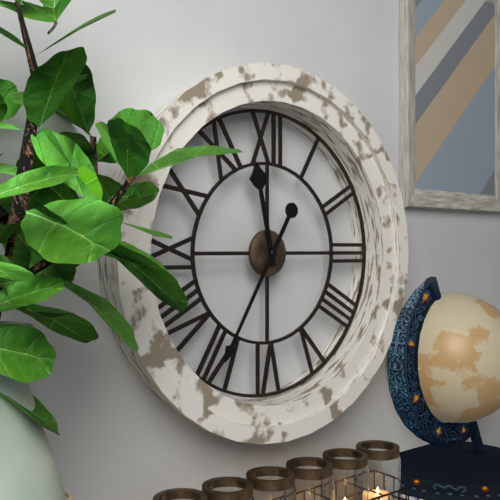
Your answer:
11 h 35 min
